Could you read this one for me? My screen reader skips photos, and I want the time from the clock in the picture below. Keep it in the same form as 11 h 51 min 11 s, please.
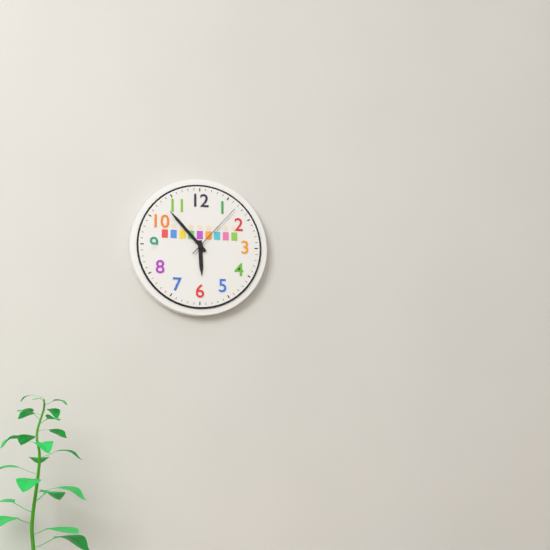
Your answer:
5 h 53 min 07 s
